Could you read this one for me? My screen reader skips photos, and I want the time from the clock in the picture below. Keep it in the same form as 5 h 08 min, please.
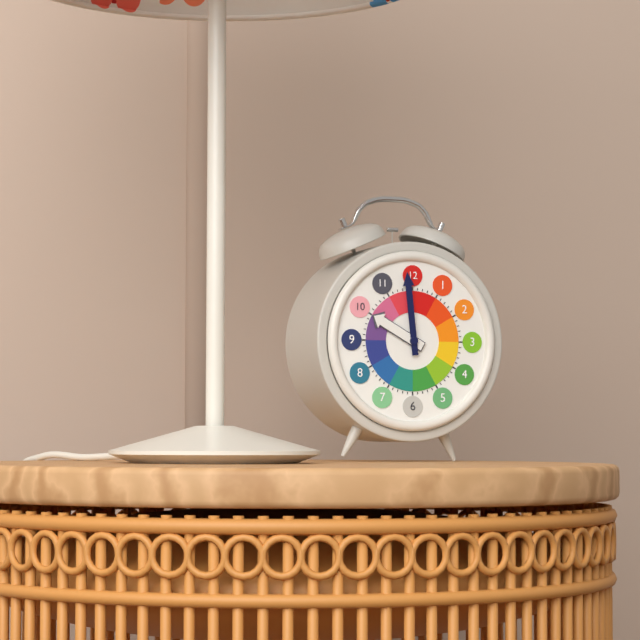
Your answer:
9 h 59 min
